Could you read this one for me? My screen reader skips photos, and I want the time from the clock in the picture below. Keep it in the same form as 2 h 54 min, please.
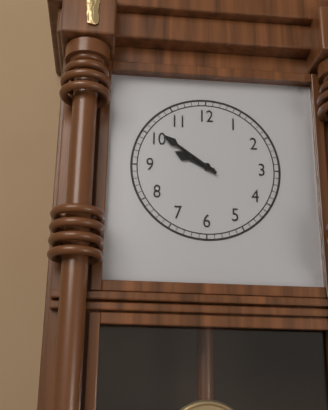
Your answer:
9 h 51 min
